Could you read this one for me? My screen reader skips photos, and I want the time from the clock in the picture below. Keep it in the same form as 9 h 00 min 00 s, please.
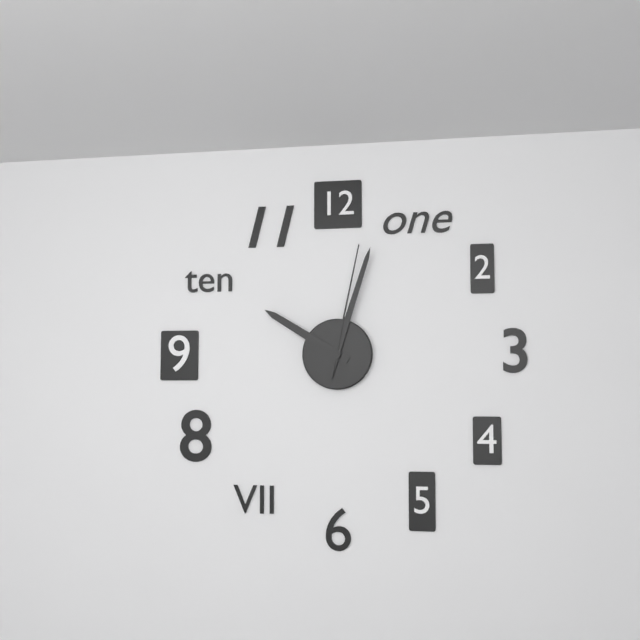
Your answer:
10 h 03 min 02 s
